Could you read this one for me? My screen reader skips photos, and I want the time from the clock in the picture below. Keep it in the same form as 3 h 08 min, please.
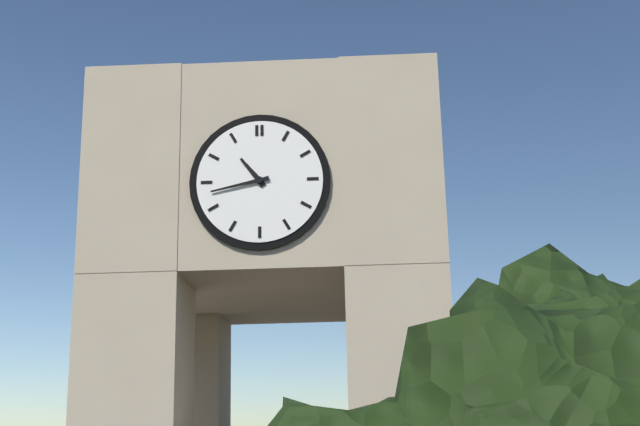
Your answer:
10 h 43 min
